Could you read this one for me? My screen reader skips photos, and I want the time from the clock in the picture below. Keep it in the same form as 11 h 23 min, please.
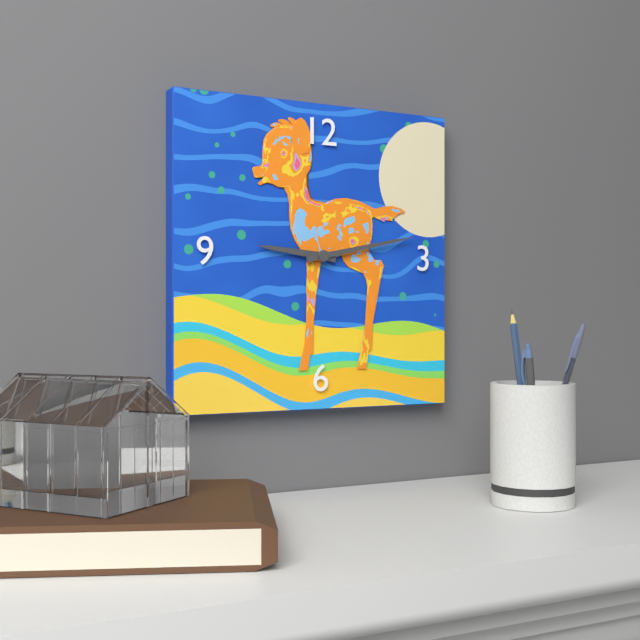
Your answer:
9 h 13 min
